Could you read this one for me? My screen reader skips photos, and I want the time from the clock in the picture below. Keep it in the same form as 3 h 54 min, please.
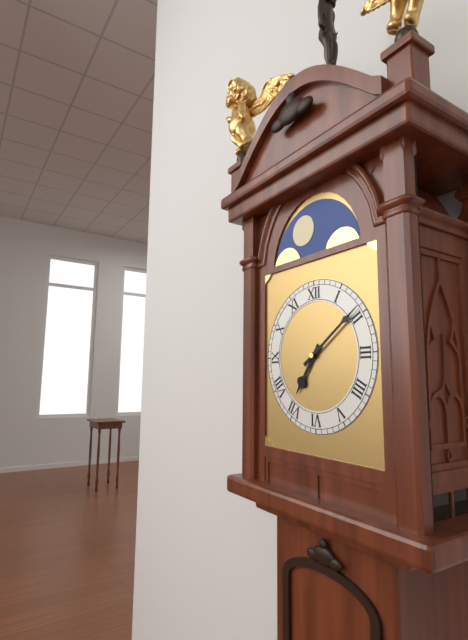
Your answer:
7 h 09 min
